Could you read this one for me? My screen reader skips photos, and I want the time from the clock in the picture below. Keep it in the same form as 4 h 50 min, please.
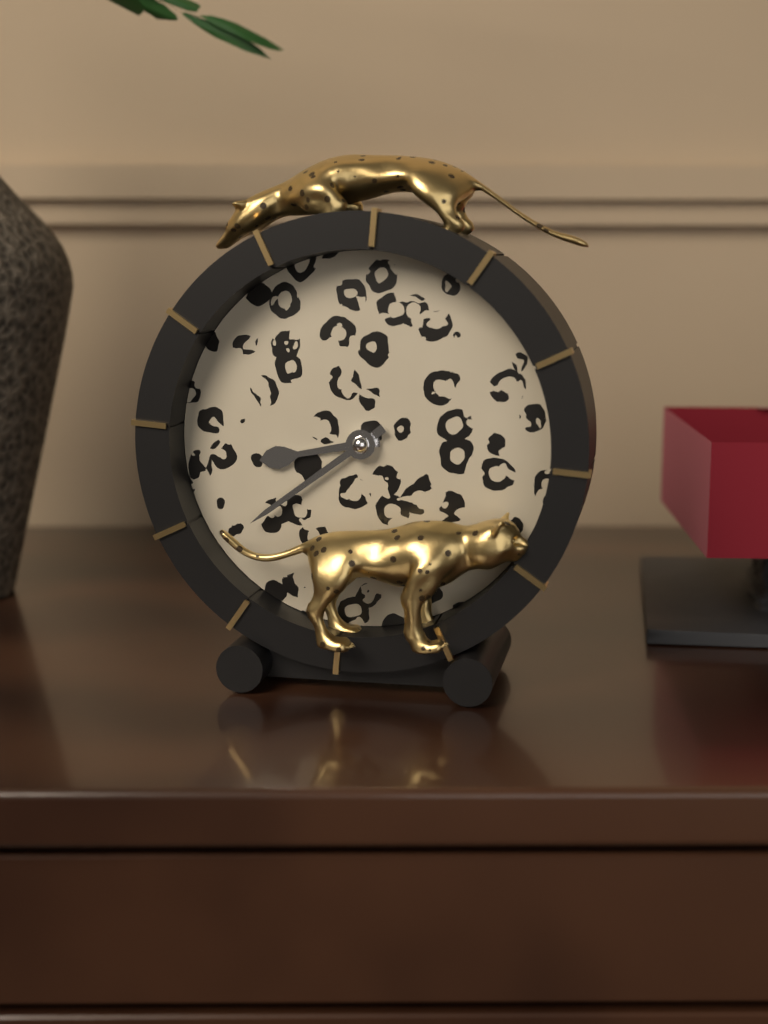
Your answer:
8 h 39 min
